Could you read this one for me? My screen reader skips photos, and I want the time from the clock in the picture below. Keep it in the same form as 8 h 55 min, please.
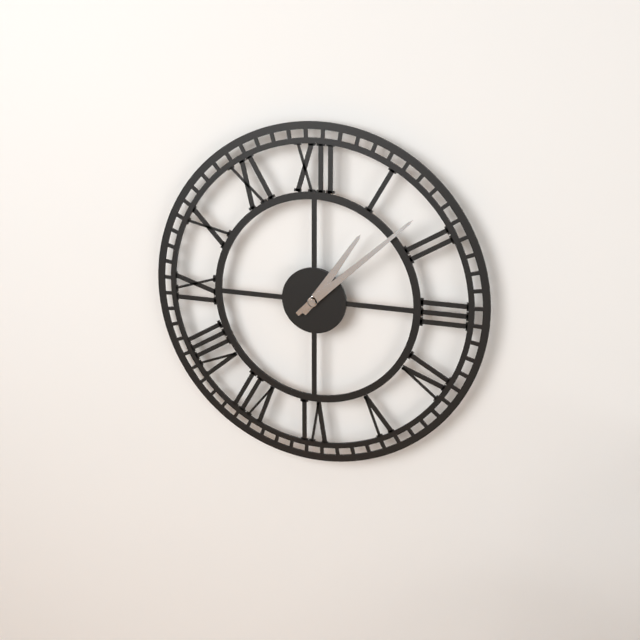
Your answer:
1 h 08 min
